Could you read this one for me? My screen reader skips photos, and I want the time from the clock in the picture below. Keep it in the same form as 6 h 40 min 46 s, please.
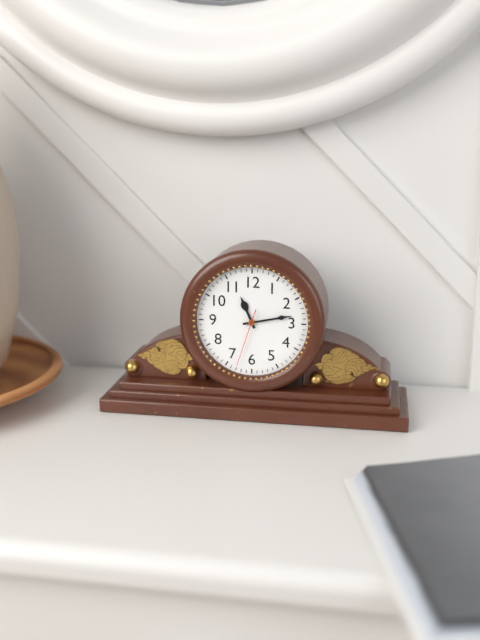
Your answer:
11 h 13 min 33 s
